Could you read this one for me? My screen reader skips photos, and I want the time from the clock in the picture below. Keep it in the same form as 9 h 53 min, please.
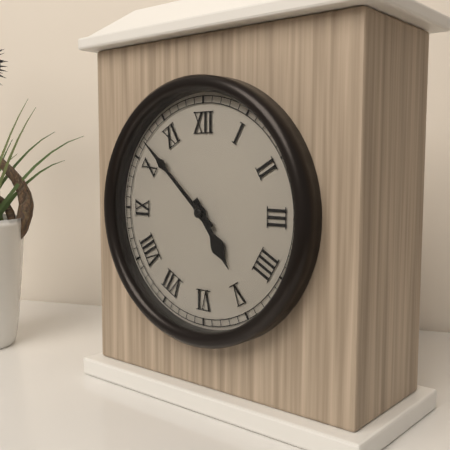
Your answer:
4 h 52 min
